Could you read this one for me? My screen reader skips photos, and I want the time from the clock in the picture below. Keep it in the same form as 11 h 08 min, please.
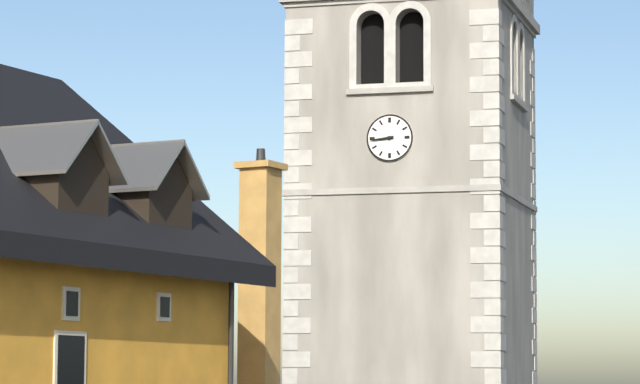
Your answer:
8 h 44 min
